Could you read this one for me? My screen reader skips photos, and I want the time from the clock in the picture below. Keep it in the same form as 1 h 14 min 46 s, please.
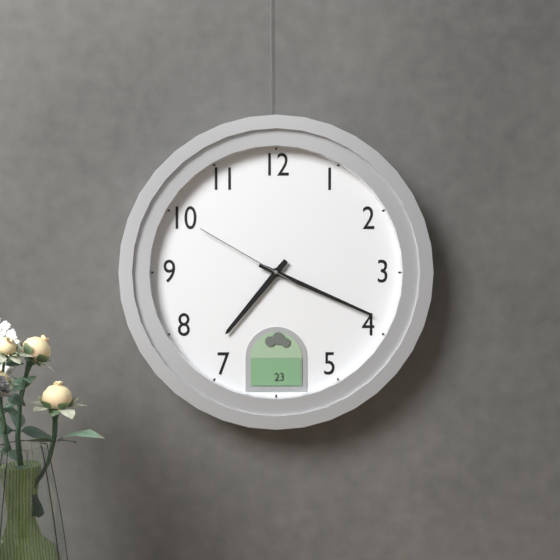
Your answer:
7 h 19 min 50 s
